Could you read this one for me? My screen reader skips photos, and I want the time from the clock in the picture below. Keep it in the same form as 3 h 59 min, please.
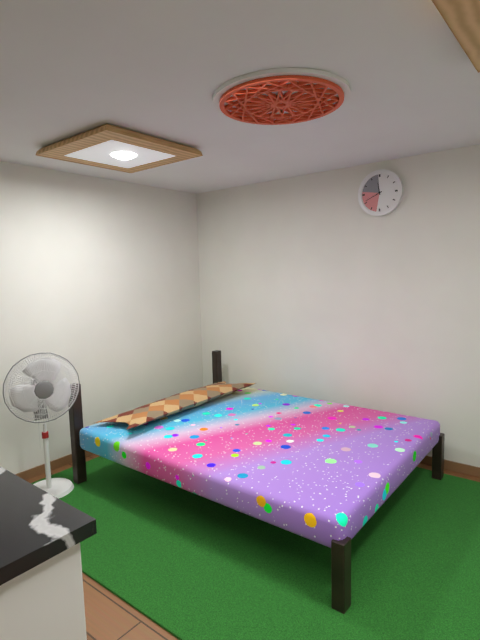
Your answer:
11 h 41 min
